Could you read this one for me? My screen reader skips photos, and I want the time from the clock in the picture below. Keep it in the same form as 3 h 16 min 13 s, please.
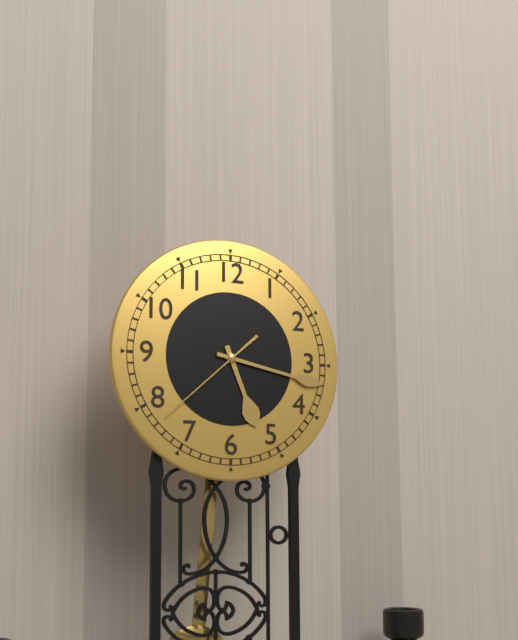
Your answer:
5 h 17 min 38 s
